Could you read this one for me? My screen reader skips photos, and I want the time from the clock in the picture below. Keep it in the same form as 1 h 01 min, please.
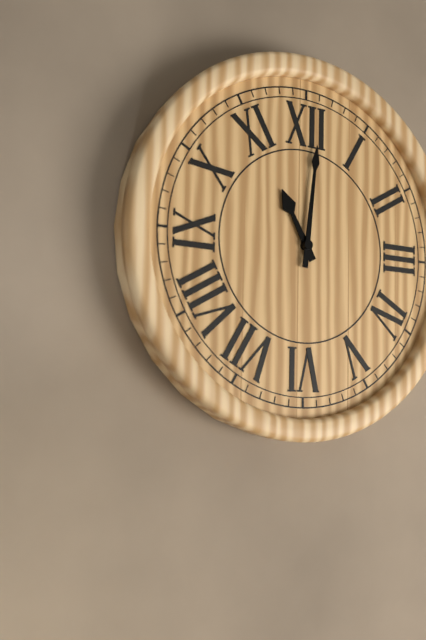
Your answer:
11 h 01 min
